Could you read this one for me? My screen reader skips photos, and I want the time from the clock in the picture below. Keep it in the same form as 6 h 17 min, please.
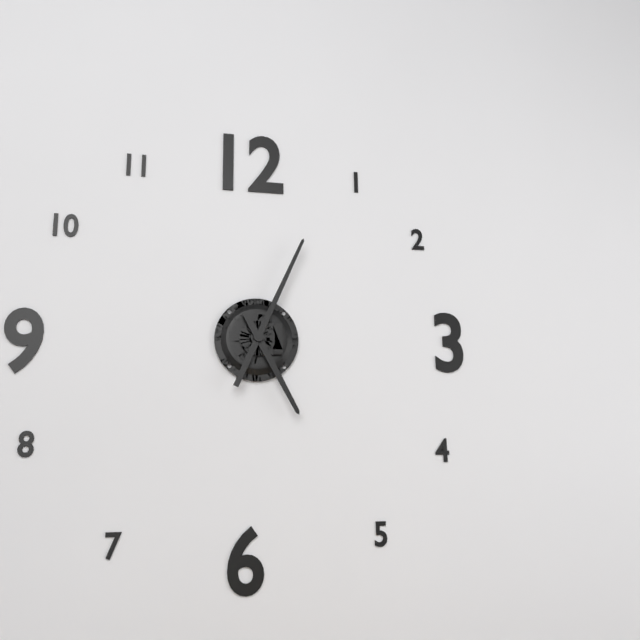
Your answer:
5 h 04 min
